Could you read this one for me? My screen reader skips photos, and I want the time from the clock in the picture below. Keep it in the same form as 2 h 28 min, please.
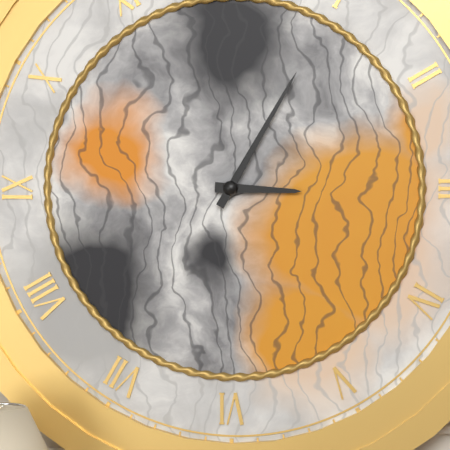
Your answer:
3 h 05 min
